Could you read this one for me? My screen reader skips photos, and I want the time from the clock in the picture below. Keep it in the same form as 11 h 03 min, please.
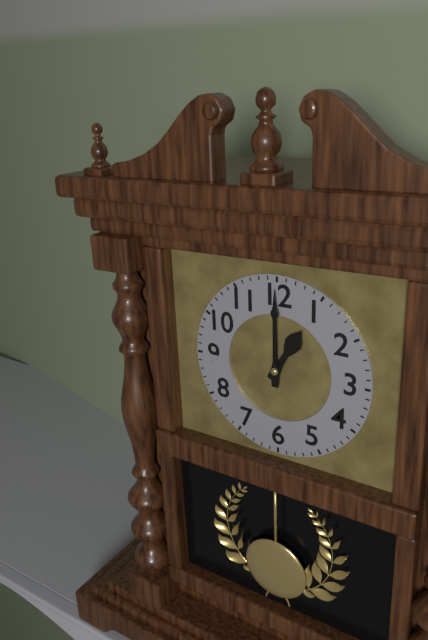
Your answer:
1 h 00 min
